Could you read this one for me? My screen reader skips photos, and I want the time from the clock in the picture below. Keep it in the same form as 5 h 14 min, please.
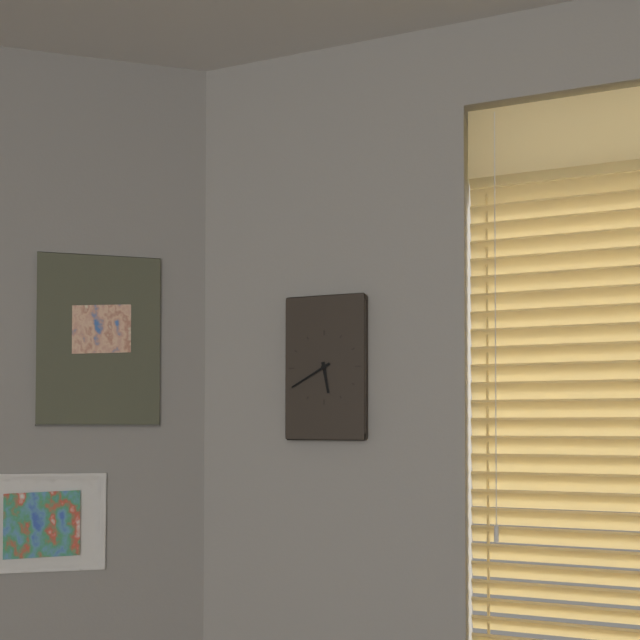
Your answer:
5 h 40 min
